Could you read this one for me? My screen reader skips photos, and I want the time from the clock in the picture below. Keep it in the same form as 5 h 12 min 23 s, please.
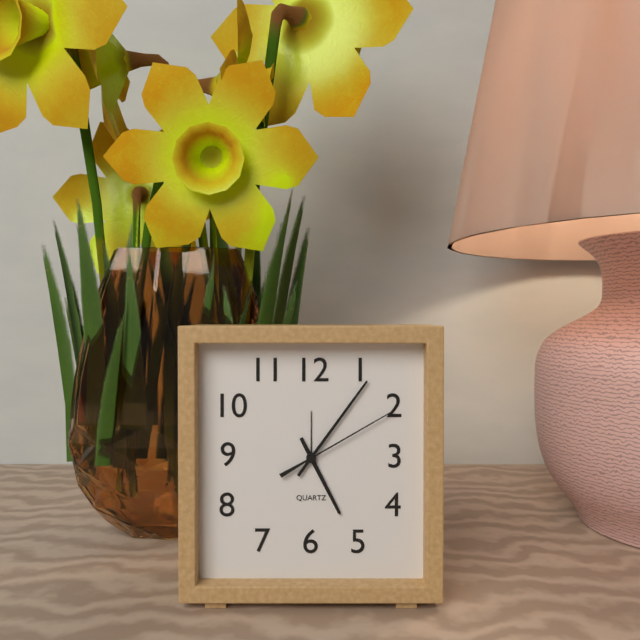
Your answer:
5 h 06 min 10 s
